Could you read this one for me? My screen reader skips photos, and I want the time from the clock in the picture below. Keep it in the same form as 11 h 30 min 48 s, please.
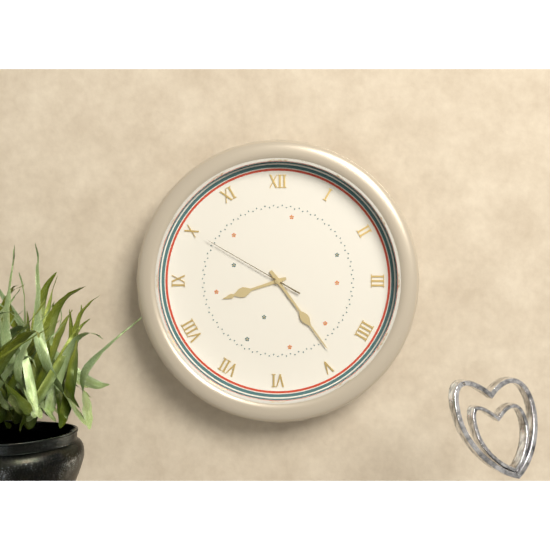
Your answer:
8 h 24 min 50 s
